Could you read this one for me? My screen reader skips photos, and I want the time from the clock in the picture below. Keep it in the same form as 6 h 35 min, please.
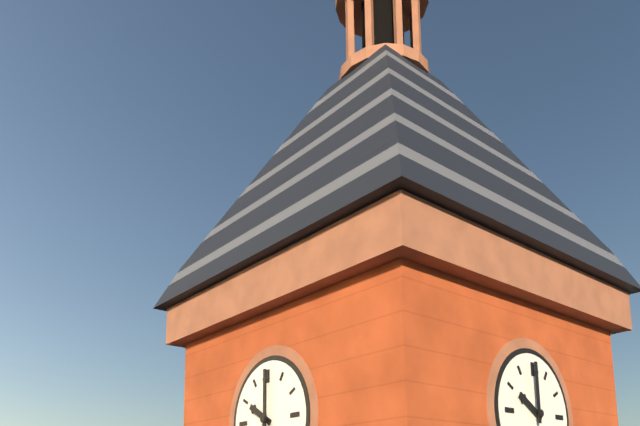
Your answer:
10 h 00 min
